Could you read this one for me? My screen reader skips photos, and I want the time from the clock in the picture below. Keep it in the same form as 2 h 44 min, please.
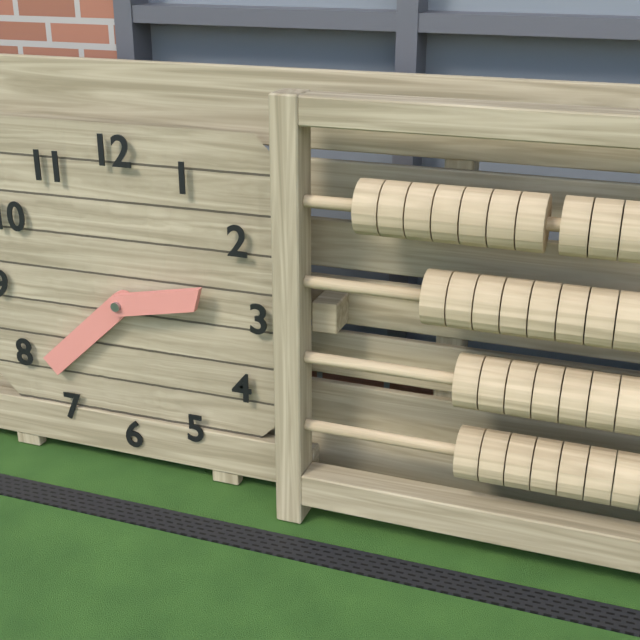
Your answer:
2 h 38 min
